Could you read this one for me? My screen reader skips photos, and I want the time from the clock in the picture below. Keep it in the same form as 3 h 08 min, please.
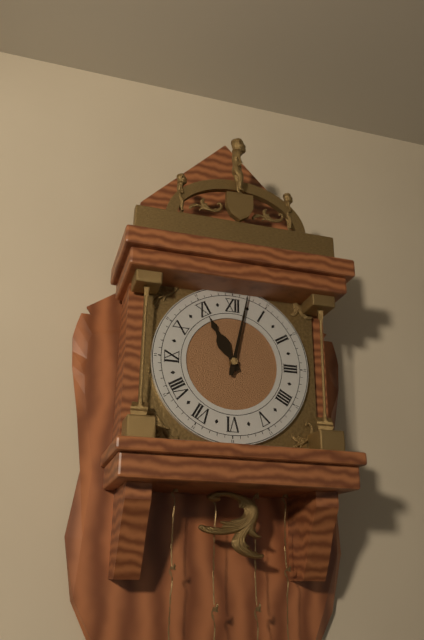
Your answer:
11 h 02 min
